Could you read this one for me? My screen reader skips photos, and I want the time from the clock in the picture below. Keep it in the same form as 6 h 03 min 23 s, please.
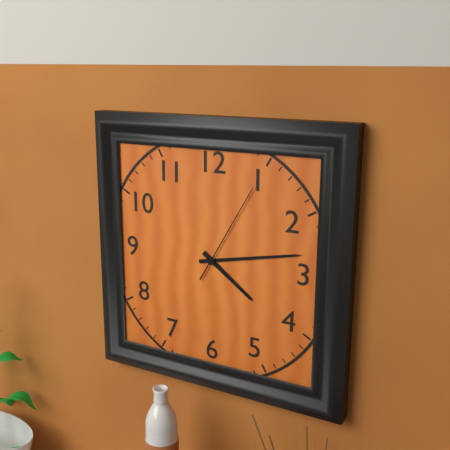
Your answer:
4 h 13 min 05 s
